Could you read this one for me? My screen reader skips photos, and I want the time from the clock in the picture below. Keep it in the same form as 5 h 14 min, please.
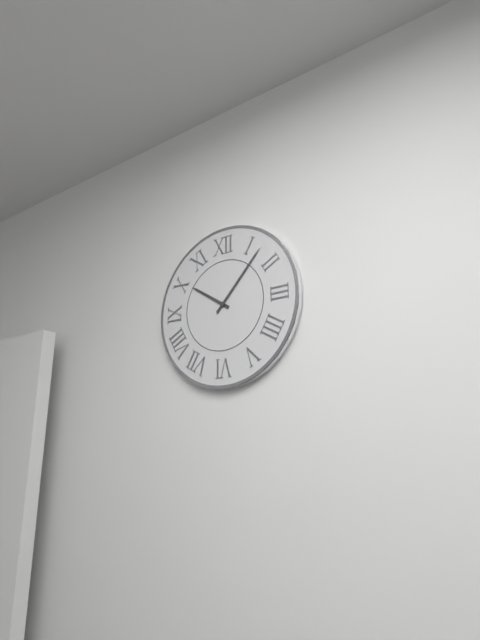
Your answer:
10 h 07 min
